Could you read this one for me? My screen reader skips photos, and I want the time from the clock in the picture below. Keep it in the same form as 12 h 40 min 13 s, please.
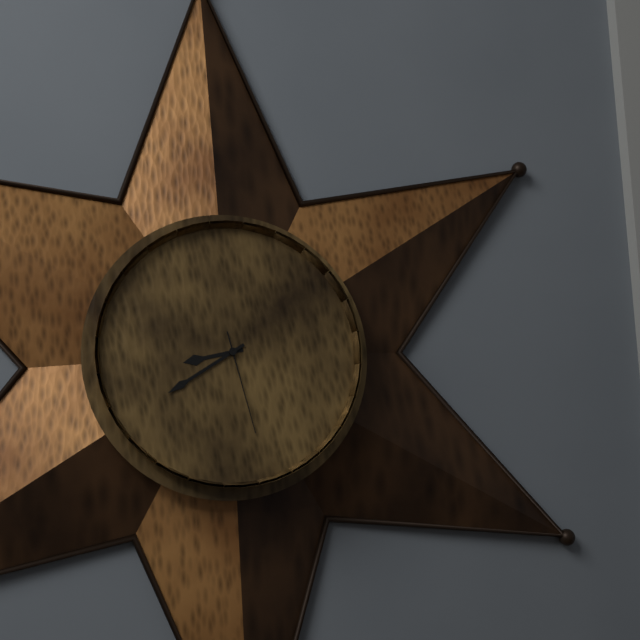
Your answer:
8 h 40 min 28 s
